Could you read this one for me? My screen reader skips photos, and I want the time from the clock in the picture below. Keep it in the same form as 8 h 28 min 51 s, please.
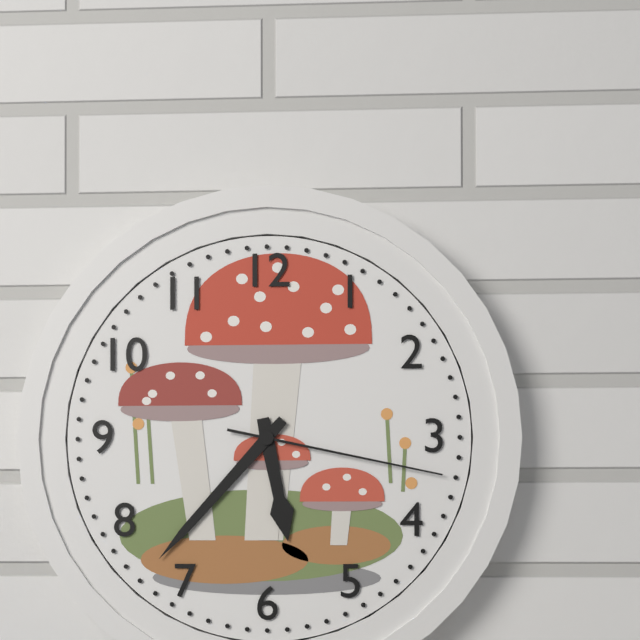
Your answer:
5 h 37 min 17 s
